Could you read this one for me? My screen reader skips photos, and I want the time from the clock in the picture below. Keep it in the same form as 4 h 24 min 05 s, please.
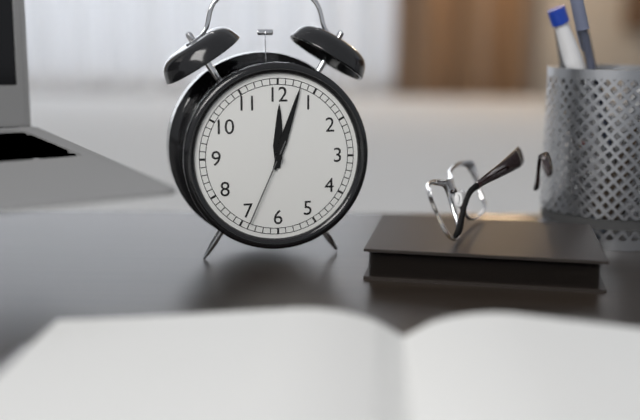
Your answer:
12 h 03 min 34 s
